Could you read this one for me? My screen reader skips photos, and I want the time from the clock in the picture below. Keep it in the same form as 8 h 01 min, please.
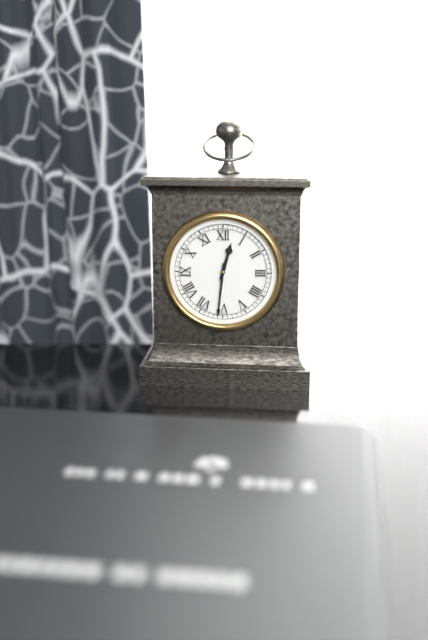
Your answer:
12 h 31 min
